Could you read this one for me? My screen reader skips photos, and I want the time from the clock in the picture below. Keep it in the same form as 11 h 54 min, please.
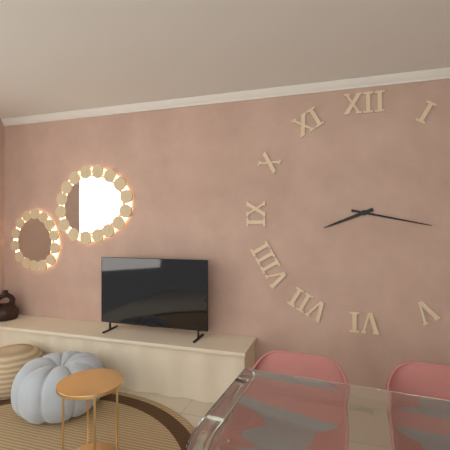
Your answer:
8 h 17 min
